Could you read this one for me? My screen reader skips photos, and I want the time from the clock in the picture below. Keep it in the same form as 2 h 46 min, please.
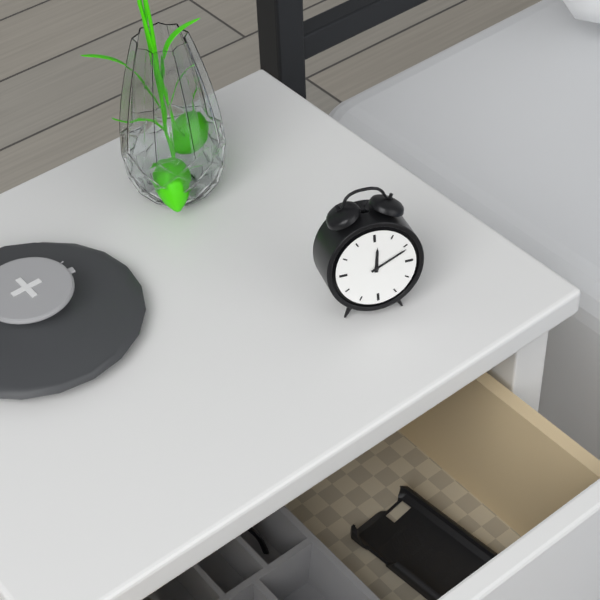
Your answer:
12 h 11 min
